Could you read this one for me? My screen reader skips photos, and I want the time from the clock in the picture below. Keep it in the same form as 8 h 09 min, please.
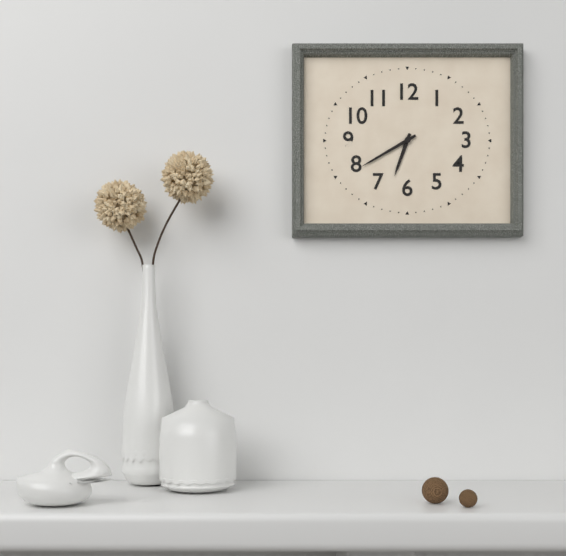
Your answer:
6 h 40 min
